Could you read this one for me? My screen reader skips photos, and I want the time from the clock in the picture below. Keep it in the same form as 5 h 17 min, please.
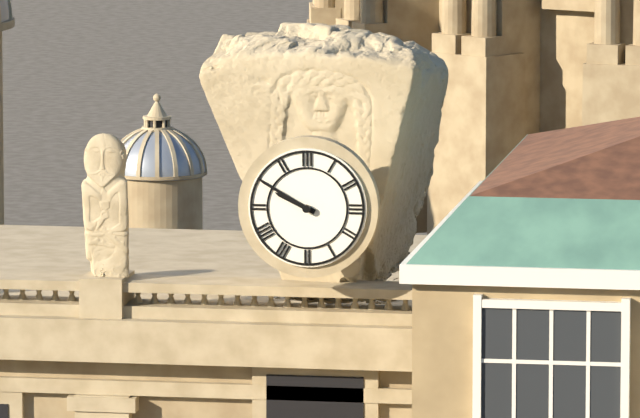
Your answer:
9 h 50 min
